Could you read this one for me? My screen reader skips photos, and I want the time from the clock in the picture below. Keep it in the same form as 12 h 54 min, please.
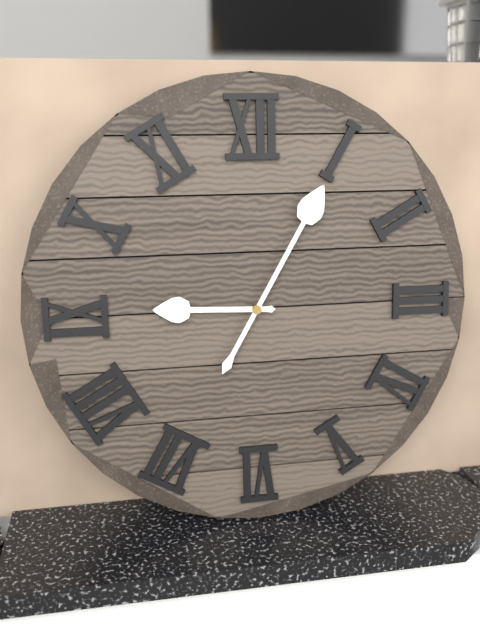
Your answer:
9 h 05 min
